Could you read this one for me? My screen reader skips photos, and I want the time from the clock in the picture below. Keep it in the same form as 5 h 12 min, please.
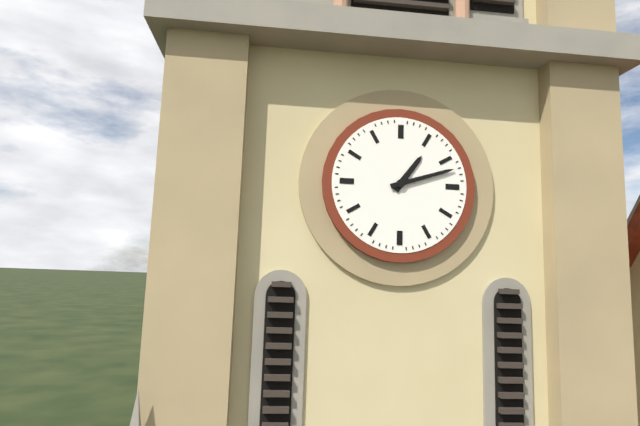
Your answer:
1 h 12 min
